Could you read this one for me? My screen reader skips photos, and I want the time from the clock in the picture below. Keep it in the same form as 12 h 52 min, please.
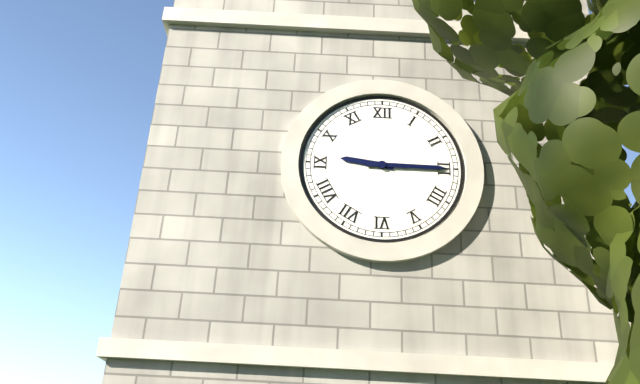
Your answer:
9 h 15 min
